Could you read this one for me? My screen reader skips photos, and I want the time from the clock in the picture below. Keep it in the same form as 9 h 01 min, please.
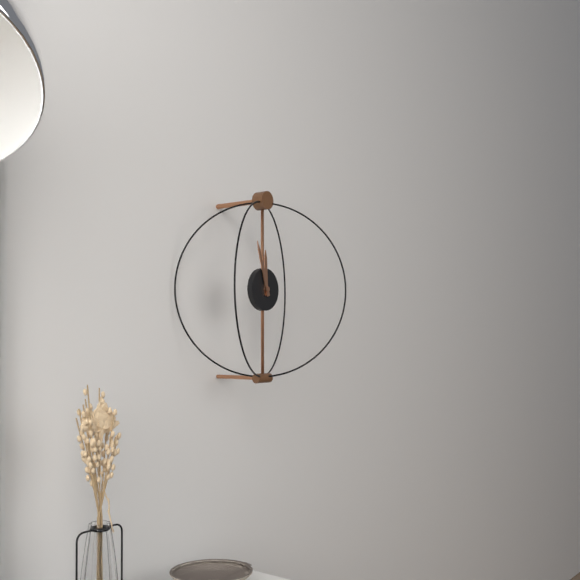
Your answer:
11 h 57 min
